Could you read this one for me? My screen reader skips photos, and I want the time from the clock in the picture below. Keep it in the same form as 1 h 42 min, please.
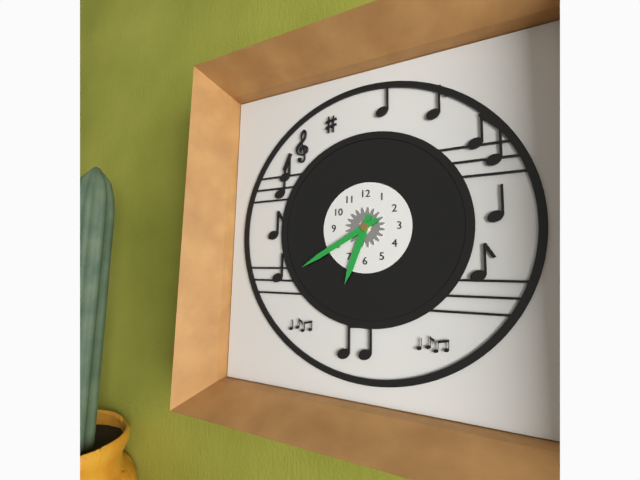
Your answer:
6 h 40 min
